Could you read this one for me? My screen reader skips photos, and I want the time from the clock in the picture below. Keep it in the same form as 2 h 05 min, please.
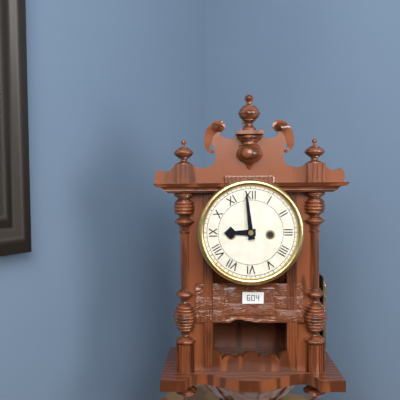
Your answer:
8 h 59 min
